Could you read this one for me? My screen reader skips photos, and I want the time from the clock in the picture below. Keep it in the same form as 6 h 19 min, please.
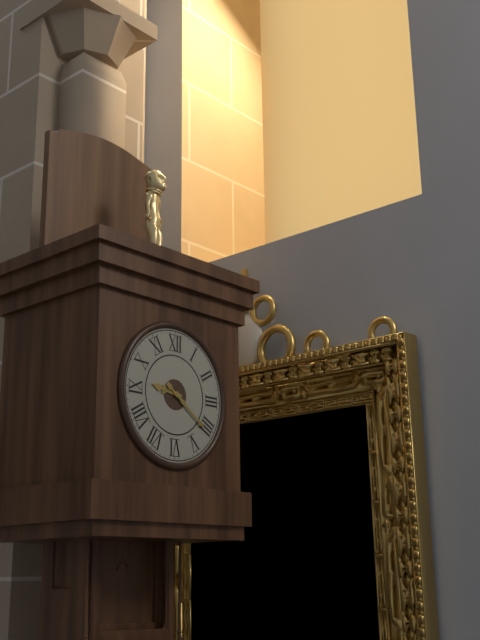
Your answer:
9 h 21 min
